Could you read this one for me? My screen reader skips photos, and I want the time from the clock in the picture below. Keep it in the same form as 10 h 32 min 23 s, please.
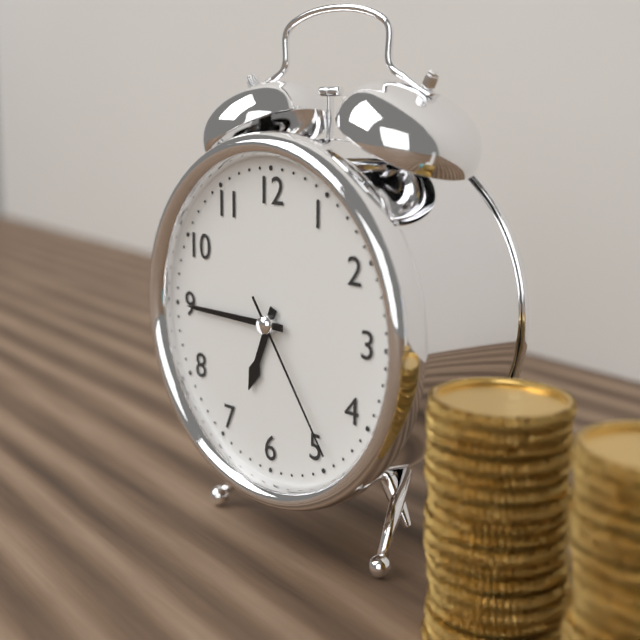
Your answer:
6 h 45 min 24 s
